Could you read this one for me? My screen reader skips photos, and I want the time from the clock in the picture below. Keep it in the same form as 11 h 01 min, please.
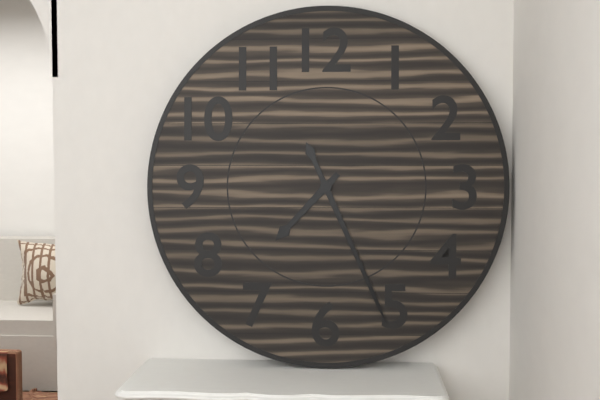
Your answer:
7 h 26 min
